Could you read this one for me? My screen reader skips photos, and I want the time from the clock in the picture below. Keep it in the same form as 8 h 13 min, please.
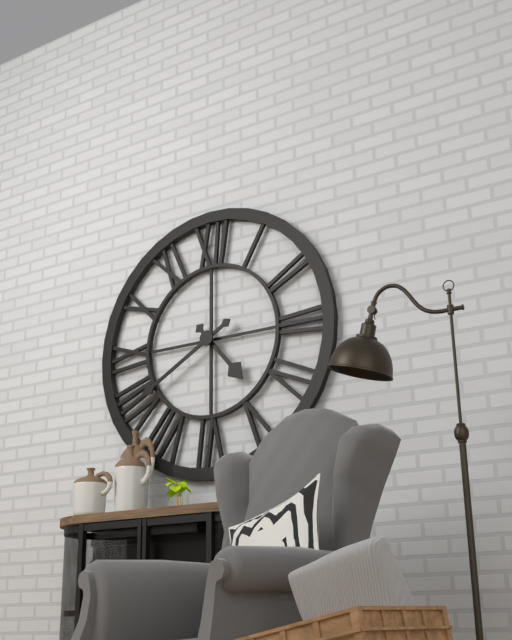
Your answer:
4 h 40 min
